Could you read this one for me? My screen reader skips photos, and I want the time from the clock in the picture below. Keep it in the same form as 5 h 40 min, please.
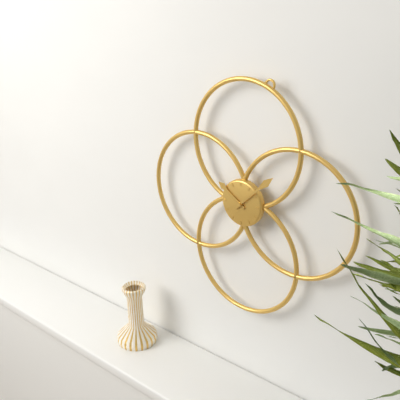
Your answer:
10 h 08 min
